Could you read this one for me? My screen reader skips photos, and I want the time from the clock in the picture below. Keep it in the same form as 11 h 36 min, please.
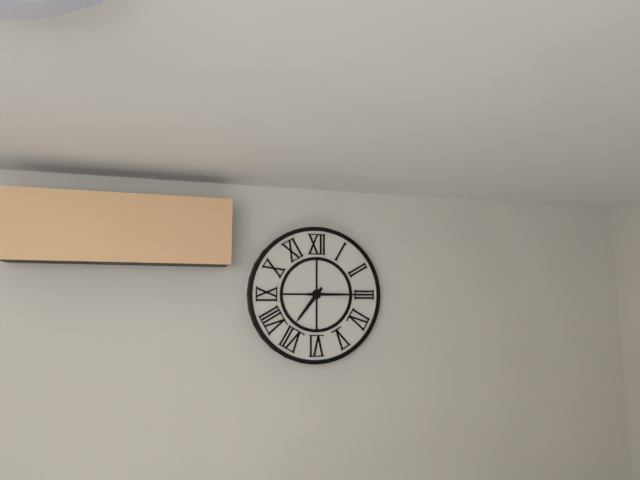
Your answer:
7 h 15 min
